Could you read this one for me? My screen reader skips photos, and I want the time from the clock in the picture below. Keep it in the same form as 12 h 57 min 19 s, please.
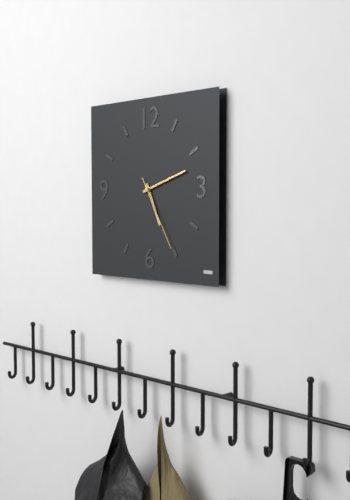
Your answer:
5 h 12 min 25 s
